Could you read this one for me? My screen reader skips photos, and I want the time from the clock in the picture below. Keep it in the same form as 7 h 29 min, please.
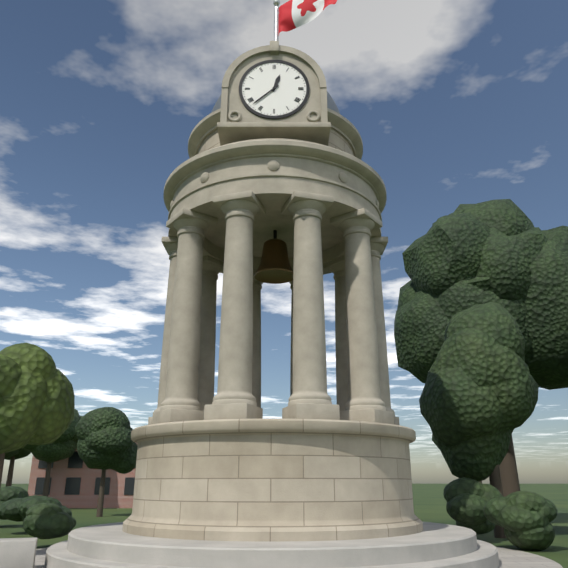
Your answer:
12 h 38 min
